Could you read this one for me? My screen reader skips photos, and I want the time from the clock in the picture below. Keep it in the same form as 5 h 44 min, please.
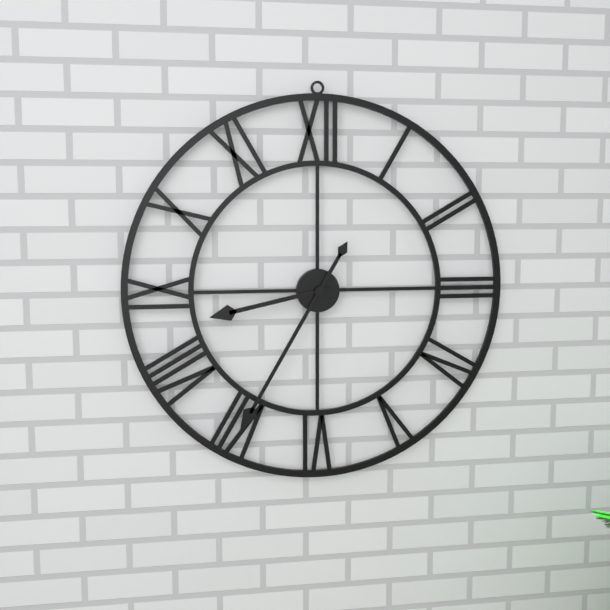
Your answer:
8 h 35 min
